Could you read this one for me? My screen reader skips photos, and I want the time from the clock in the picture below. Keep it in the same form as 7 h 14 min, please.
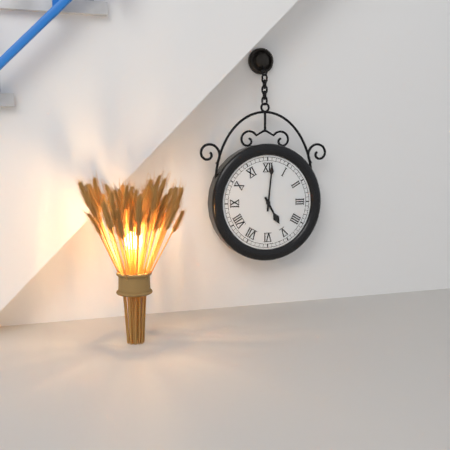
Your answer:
5 h 01 min
